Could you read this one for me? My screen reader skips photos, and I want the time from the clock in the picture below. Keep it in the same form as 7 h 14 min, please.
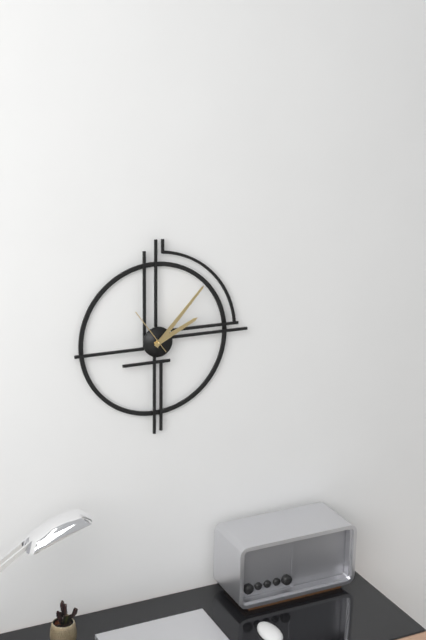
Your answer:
2 h 07 min
